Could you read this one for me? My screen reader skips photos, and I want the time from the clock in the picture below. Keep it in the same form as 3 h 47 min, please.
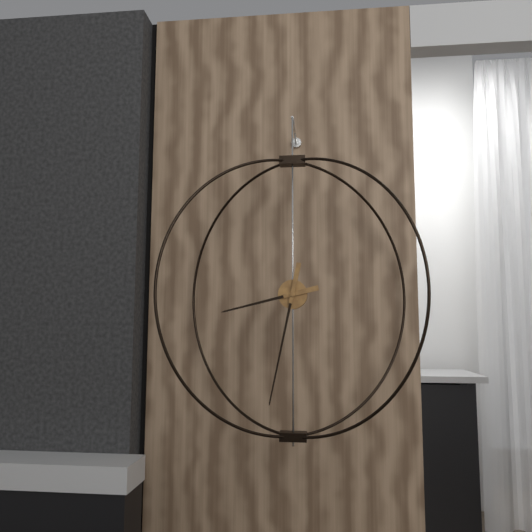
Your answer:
8 h 32 min
